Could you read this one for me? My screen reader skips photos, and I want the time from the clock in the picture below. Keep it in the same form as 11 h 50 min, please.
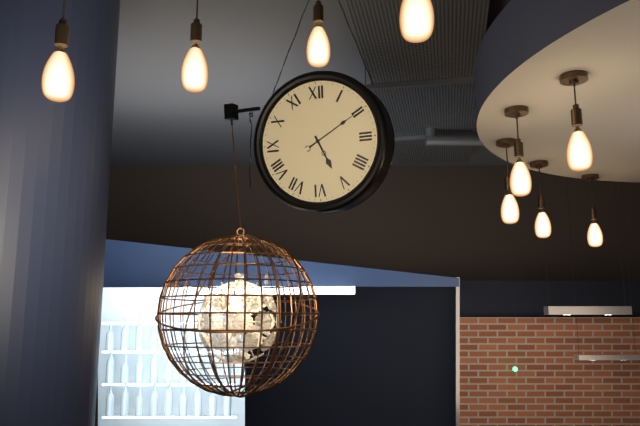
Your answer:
5 h 10 min
